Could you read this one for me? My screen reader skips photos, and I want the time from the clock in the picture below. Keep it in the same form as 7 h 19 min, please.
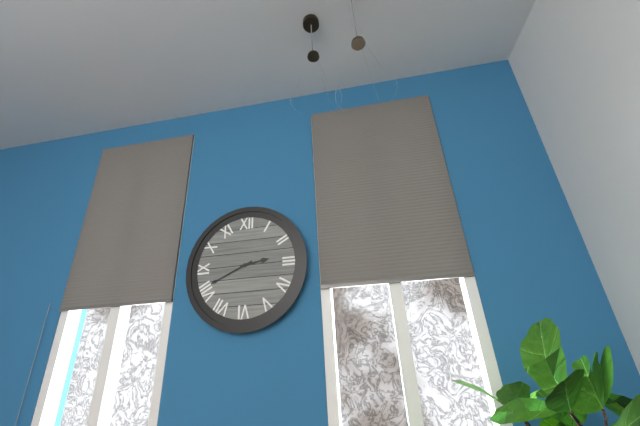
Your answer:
2 h 41 min
